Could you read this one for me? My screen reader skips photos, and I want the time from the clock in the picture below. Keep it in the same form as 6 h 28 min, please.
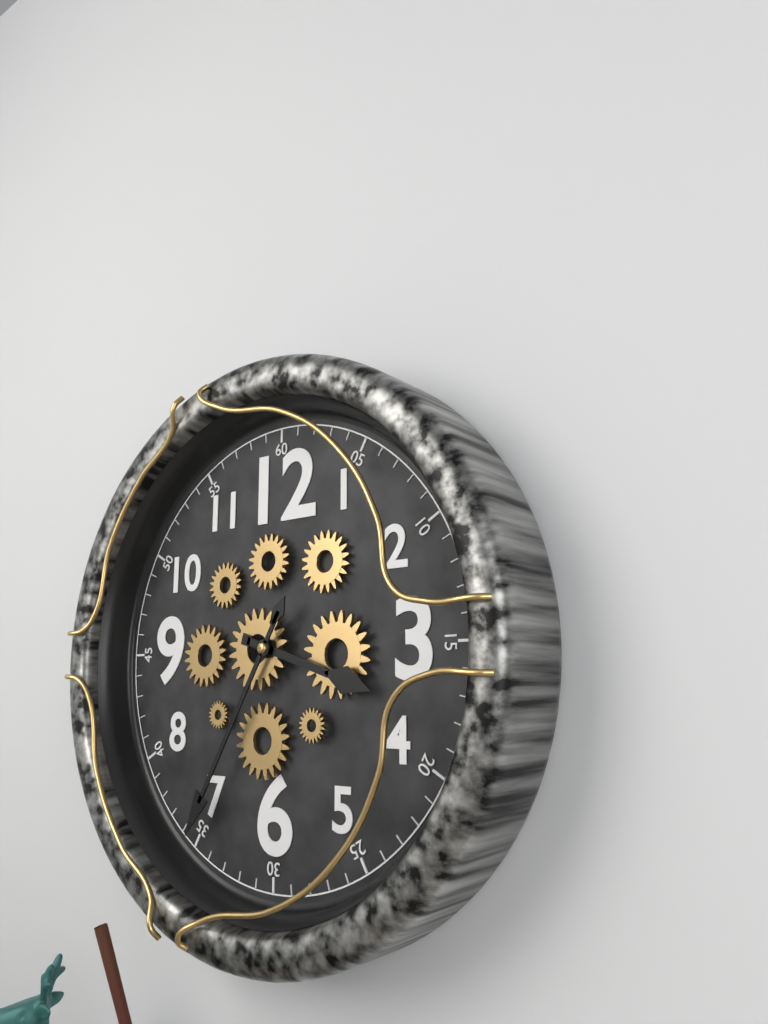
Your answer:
3 h 35 min
